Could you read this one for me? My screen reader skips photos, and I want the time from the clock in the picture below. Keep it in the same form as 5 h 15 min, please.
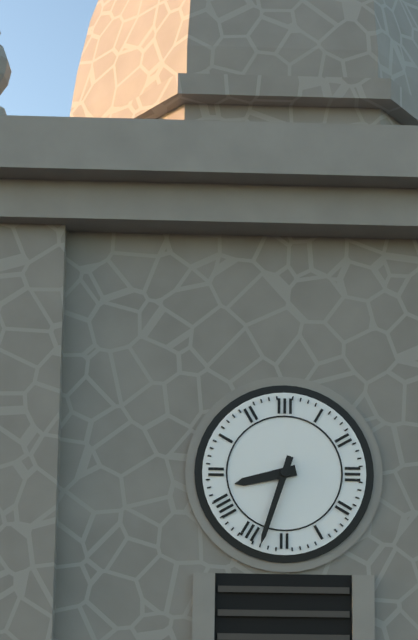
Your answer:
8 h 33 min
